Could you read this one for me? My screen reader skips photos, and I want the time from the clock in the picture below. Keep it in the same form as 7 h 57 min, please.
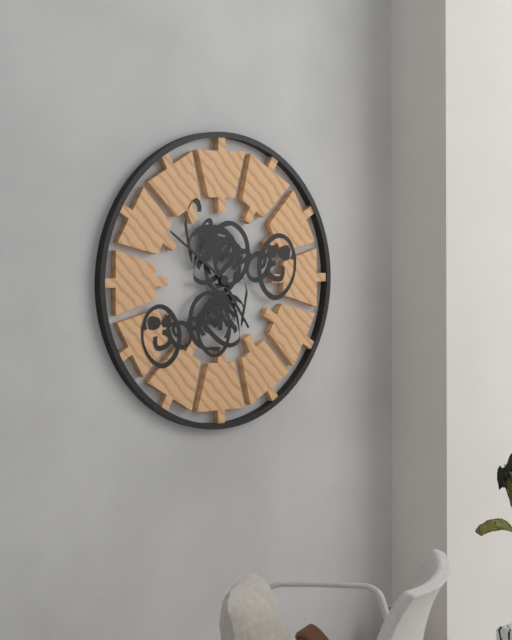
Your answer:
4 h 51 min
